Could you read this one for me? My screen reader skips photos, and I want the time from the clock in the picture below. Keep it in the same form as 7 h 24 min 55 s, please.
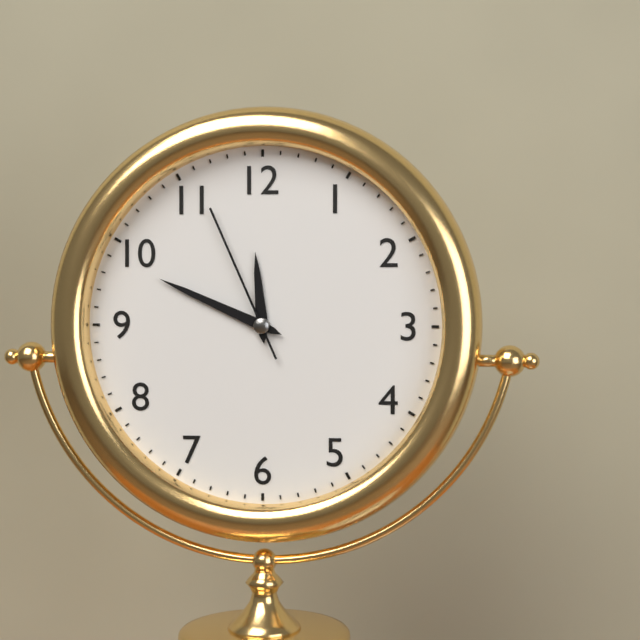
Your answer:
11 h 49 min 56 s
